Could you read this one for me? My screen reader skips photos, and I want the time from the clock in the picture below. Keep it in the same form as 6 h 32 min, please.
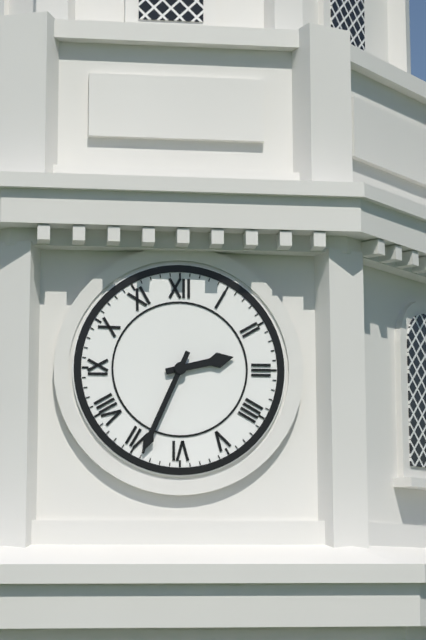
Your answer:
2 h 34 min
